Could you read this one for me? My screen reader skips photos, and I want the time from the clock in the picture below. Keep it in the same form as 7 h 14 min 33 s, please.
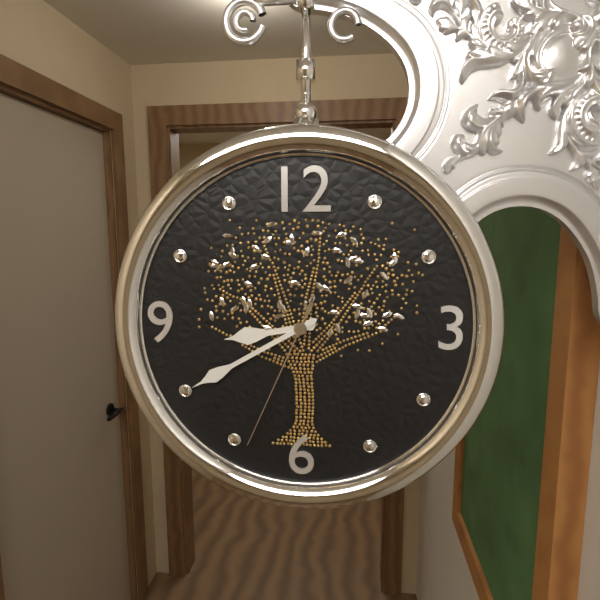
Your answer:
8 h 40 min 34 s
